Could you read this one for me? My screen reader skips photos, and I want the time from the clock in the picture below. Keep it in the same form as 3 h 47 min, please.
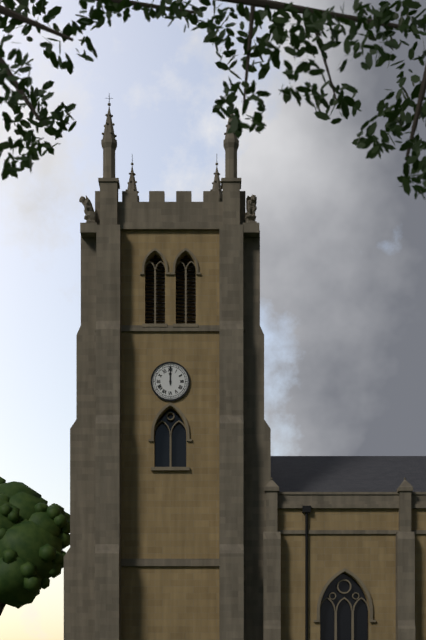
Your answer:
12 h 00 min
